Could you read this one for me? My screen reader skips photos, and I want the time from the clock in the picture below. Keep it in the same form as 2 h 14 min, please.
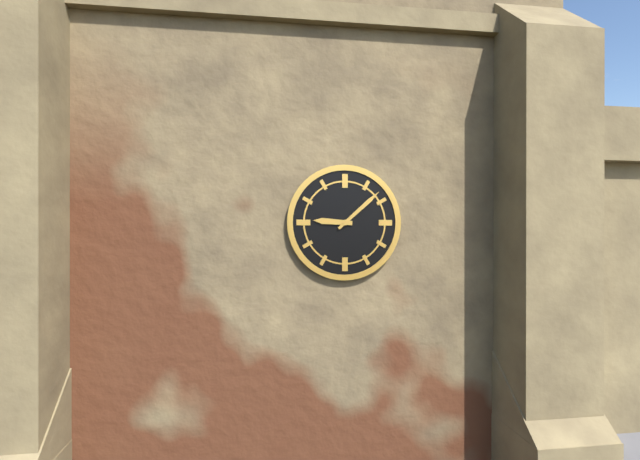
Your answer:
9 h 08 min
